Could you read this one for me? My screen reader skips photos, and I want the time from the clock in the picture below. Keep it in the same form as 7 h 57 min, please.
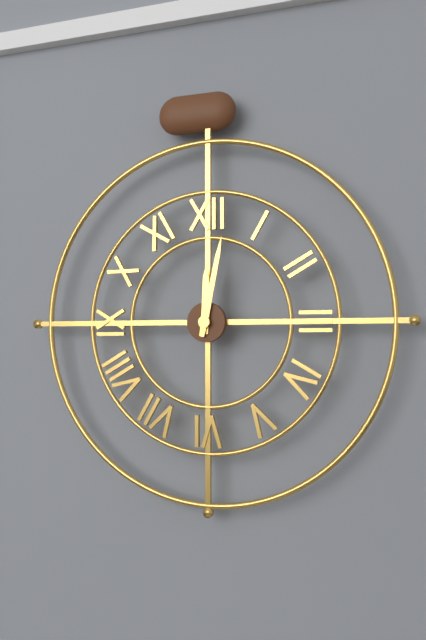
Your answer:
12 h 02 min
